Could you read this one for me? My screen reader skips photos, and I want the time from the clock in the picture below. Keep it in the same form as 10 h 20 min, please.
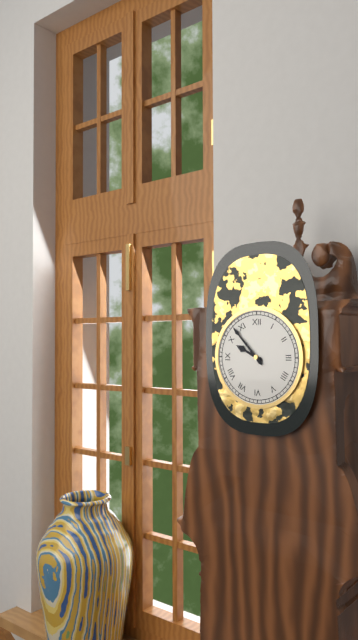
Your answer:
9 h 53 min
